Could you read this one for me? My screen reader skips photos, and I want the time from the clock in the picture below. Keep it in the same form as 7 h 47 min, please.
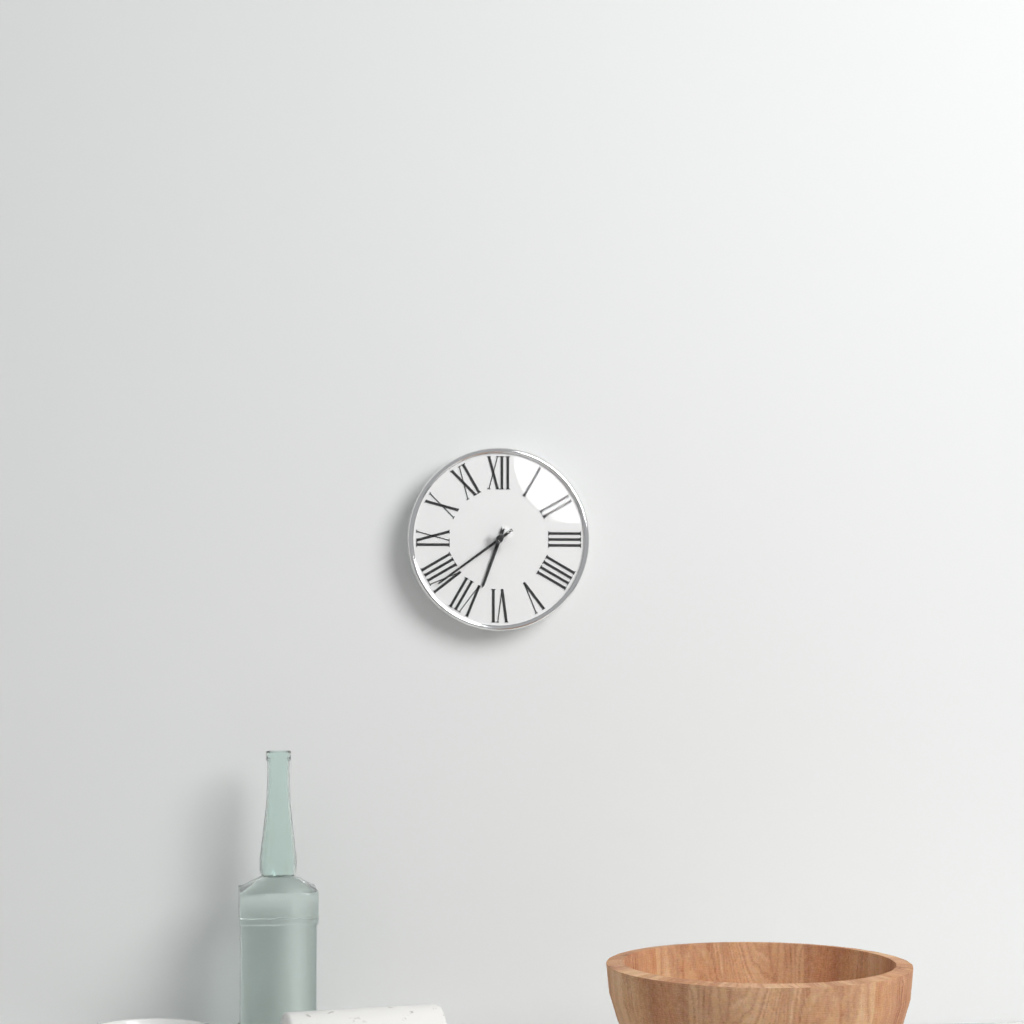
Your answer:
6 h 39 min
